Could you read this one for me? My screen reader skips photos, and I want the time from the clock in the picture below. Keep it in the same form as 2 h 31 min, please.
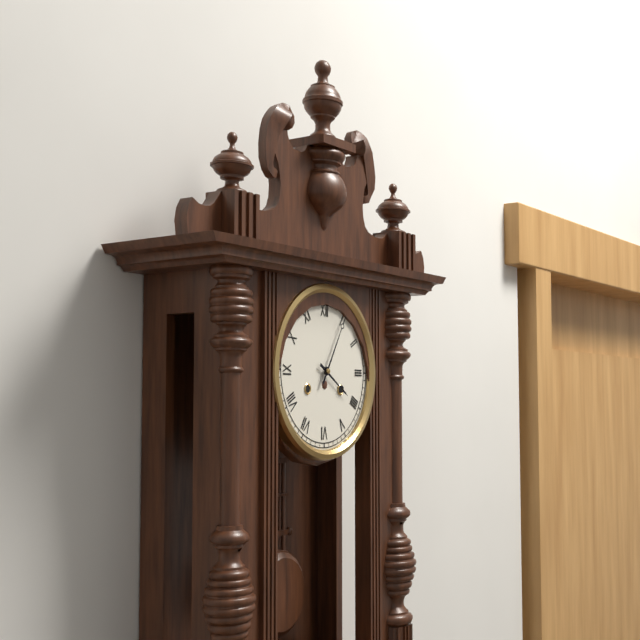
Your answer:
4 h 05 min
